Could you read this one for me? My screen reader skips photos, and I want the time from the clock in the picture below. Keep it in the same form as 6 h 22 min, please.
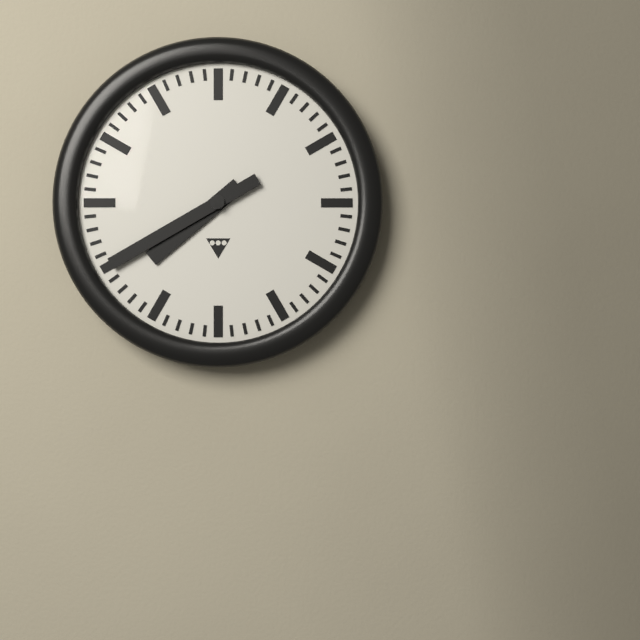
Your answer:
7 h 40 min
